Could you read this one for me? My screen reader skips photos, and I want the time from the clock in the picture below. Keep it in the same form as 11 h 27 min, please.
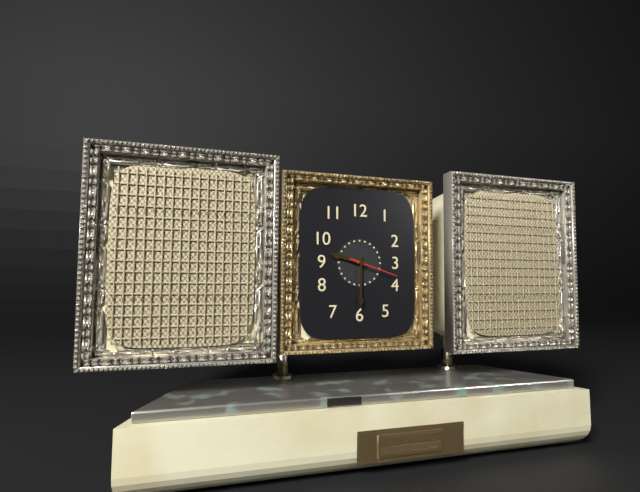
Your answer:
9 h 30 min
